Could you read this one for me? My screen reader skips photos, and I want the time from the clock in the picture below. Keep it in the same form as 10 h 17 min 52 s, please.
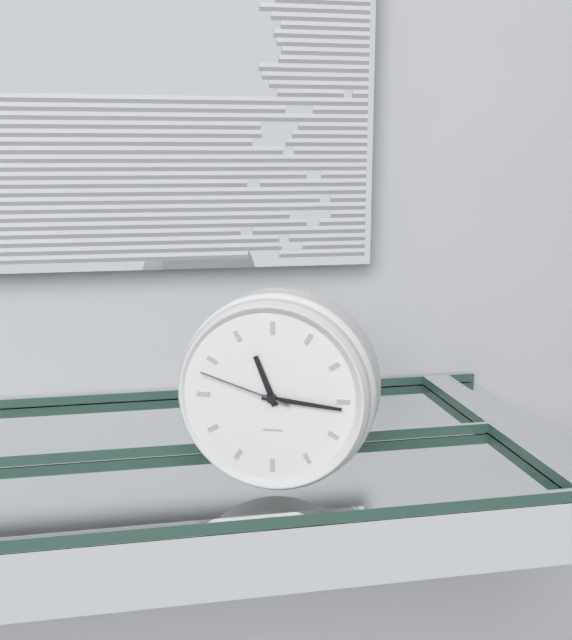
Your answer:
11 h 16 min 48 s
